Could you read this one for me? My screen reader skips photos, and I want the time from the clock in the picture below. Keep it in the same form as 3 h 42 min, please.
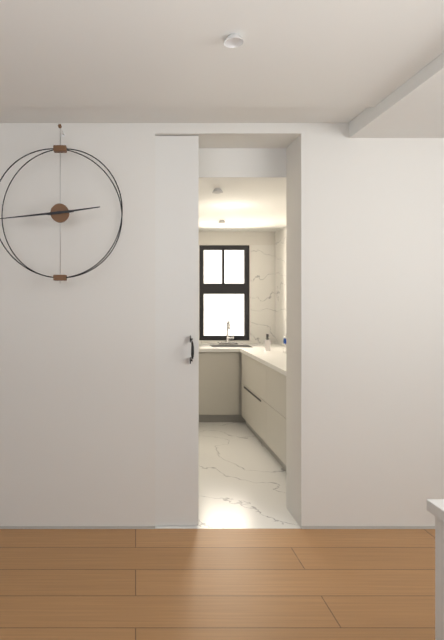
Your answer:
2 h 44 min
